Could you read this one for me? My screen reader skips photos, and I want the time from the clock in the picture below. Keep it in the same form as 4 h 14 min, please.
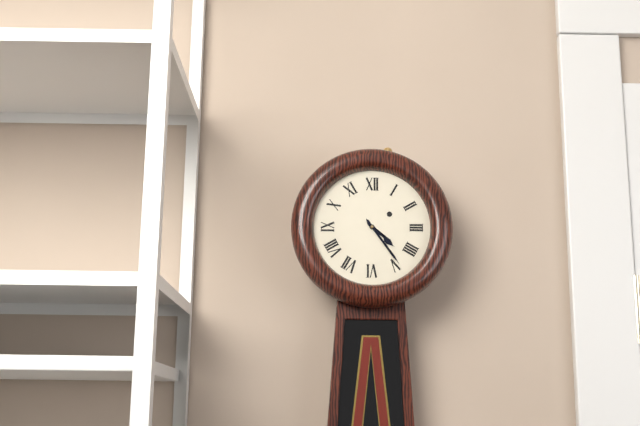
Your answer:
4 h 24 min
